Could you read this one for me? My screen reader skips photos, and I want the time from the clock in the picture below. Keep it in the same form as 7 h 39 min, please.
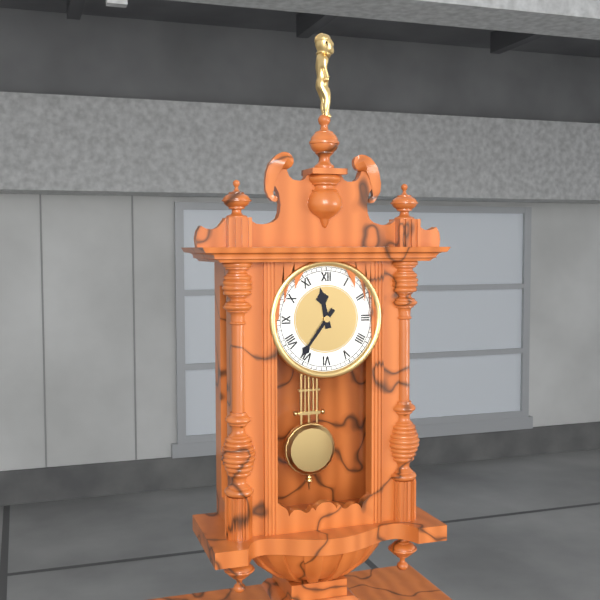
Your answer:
11 h 36 min
